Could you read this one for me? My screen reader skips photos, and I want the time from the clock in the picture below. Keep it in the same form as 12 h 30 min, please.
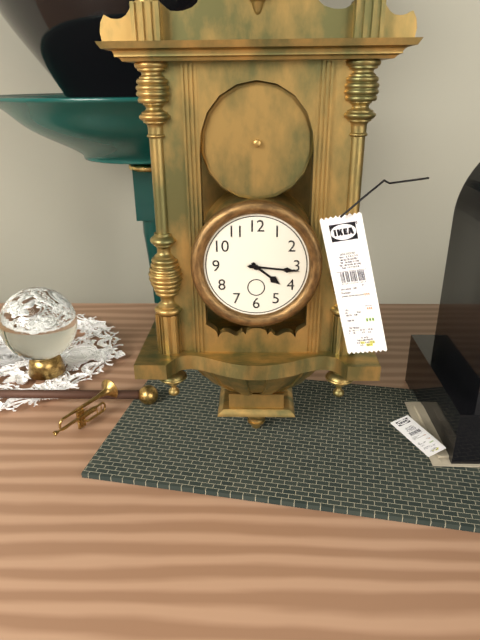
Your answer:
4 h 16 min
